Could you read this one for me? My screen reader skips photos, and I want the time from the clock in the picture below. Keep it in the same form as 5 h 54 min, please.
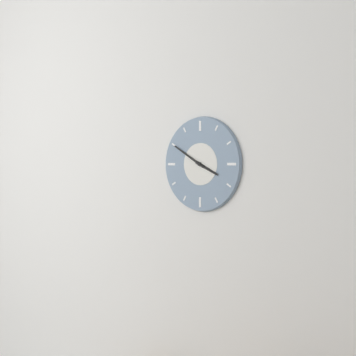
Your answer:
3 h 50 min
